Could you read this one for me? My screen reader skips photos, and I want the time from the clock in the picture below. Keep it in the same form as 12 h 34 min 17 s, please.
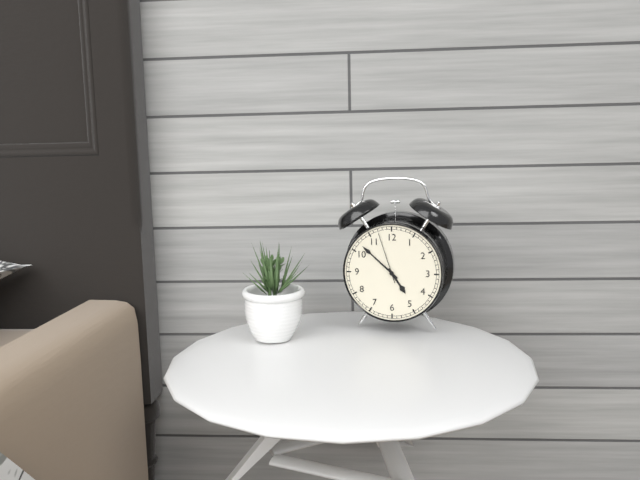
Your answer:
4 h 52 min 57 s
